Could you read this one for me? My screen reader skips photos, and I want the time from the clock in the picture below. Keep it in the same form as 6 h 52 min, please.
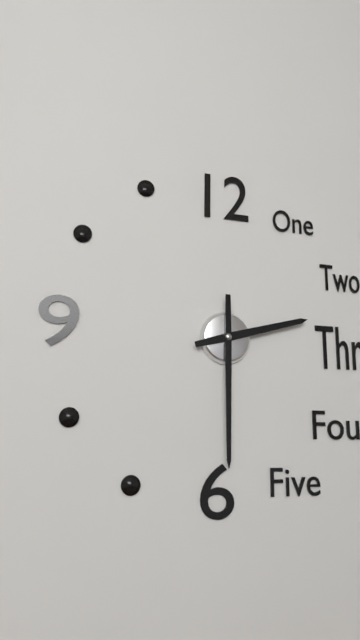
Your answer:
2 h 30 min
